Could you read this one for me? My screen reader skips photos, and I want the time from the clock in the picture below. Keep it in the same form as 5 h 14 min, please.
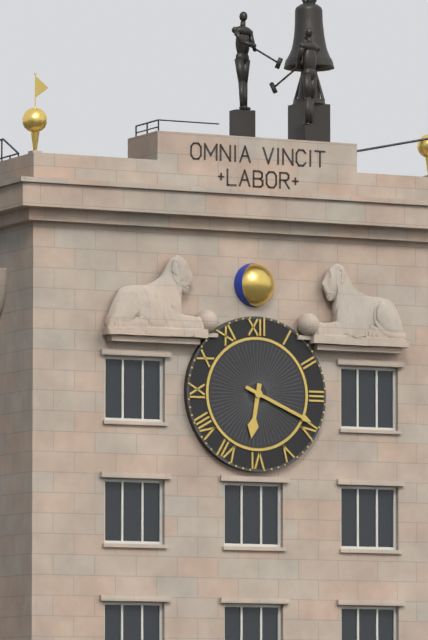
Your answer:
6 h 19 min
